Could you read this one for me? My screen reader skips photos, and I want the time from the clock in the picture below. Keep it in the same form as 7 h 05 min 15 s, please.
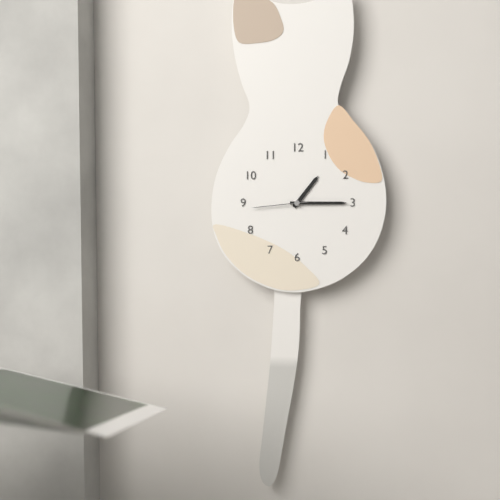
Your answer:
1 h 15 min 44 s
